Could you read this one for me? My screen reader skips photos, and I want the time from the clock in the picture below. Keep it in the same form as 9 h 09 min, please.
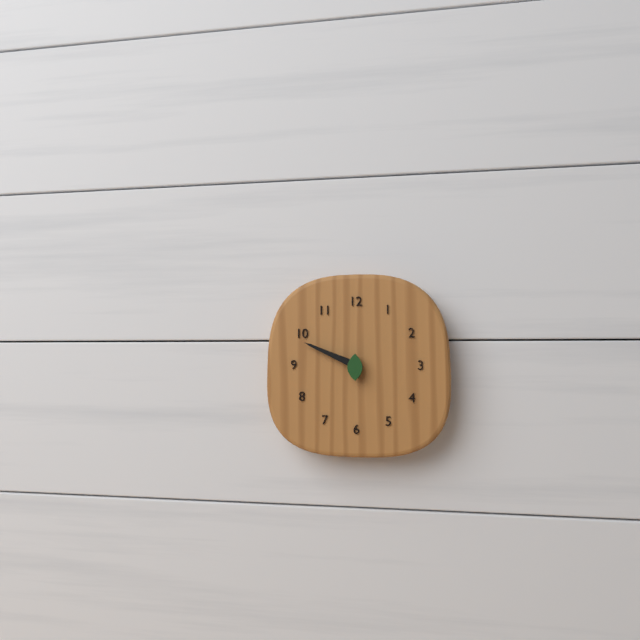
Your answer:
9 h 49 min
